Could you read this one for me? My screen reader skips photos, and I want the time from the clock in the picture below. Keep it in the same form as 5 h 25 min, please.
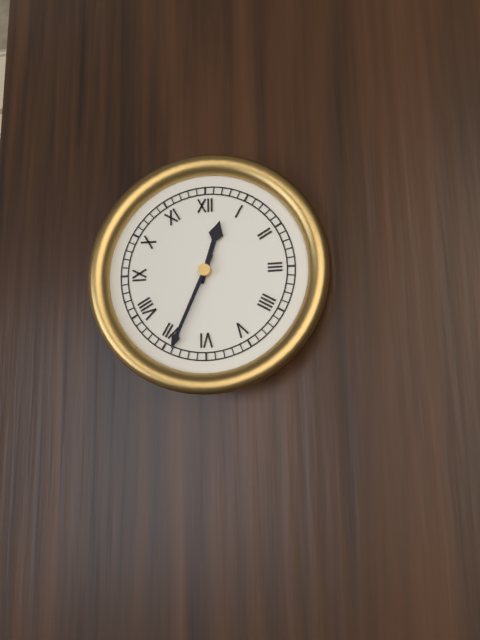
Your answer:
12 h 34 min
